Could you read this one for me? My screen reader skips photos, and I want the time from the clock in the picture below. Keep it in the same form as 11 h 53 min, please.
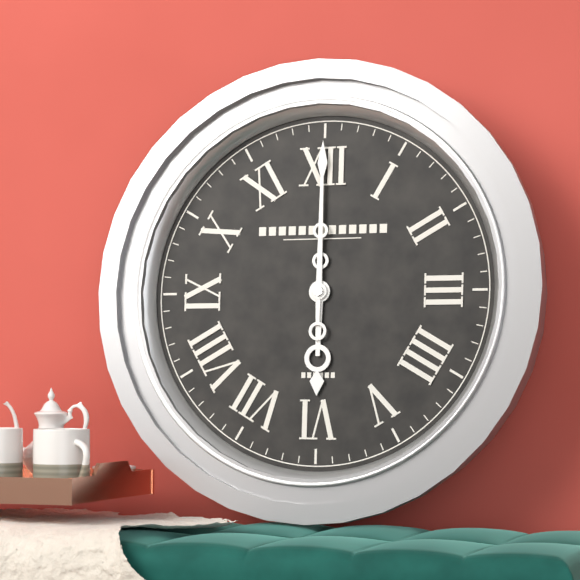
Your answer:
6 h 00 min
